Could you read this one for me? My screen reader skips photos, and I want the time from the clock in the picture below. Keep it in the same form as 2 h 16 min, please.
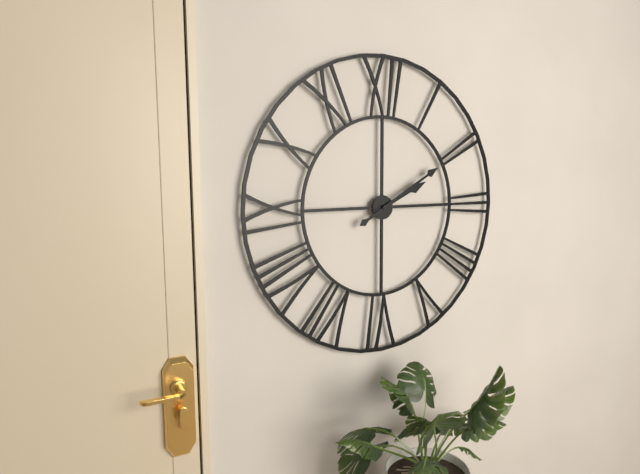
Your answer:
2 h 10 min
